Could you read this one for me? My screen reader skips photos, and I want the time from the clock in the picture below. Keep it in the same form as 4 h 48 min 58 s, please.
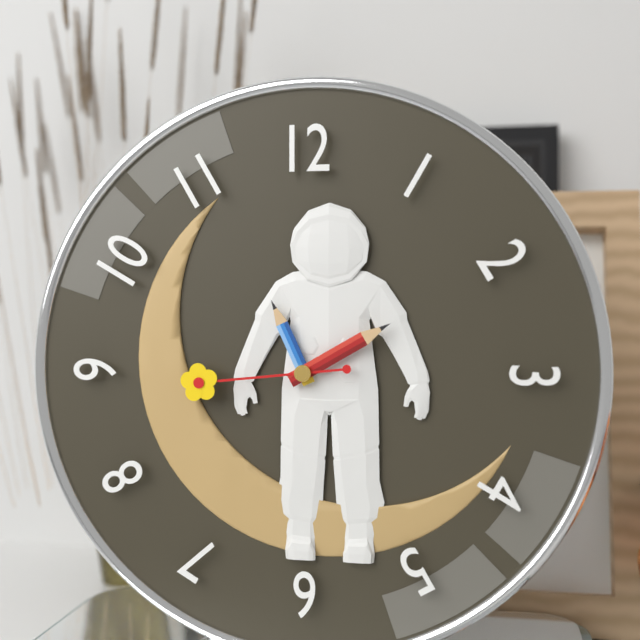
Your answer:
11 h 10 min 44 s
